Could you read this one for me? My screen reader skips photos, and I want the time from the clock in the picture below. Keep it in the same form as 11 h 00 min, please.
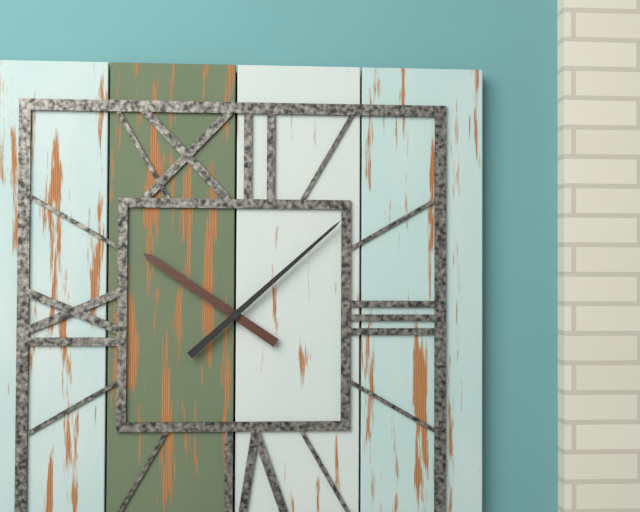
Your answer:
10 h 08 min
